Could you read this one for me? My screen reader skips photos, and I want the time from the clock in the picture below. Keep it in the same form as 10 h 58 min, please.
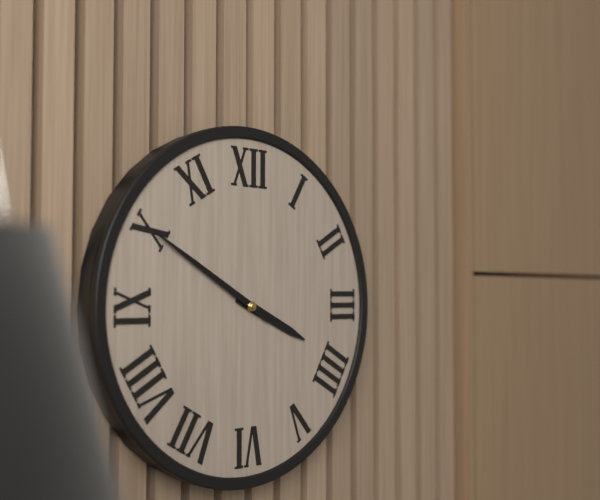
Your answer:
3 h 50 min
